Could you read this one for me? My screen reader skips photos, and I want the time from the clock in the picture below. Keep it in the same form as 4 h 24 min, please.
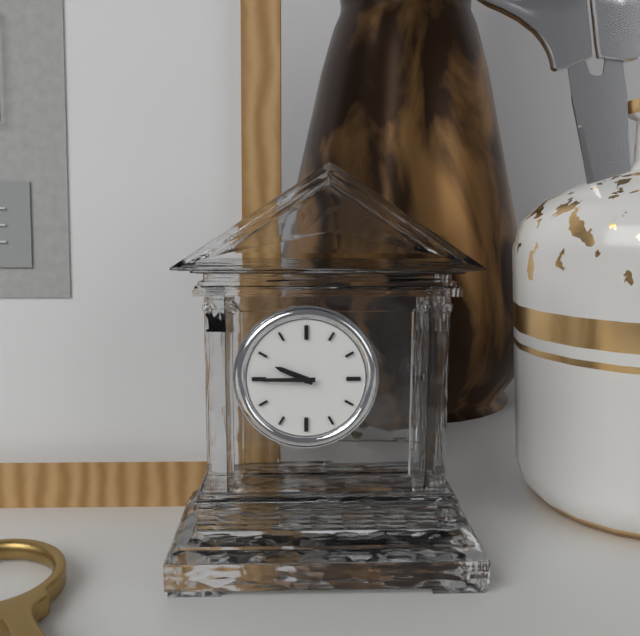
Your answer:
9 h 45 min
